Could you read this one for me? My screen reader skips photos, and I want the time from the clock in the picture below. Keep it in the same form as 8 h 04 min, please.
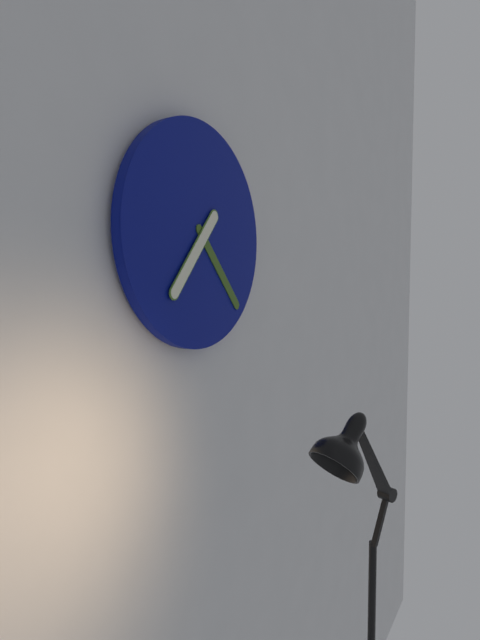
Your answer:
7 h 23 min
